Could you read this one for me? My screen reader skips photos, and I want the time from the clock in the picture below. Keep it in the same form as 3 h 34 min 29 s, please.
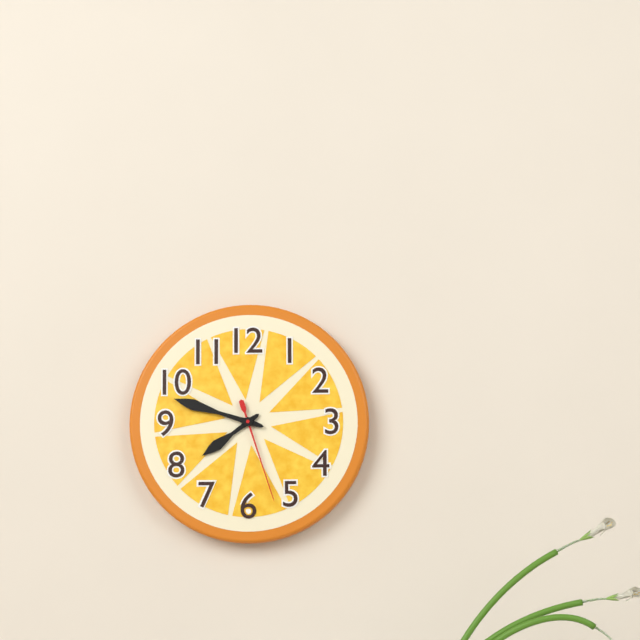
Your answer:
7 h 48 min 27 s
